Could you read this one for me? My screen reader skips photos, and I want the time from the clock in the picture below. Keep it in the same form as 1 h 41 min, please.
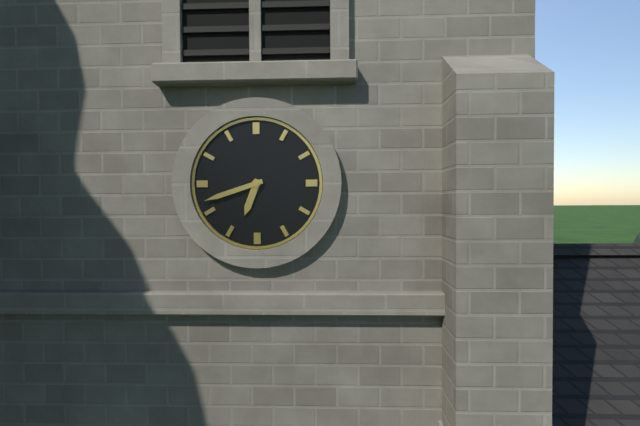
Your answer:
6 h 42 min
